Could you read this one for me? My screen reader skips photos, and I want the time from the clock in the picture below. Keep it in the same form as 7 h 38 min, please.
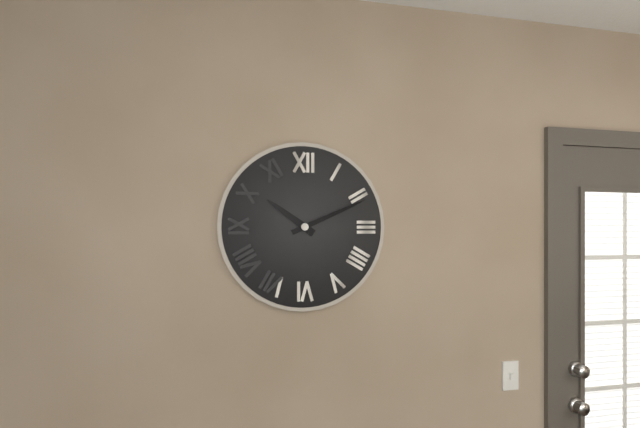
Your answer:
10 h 11 min
